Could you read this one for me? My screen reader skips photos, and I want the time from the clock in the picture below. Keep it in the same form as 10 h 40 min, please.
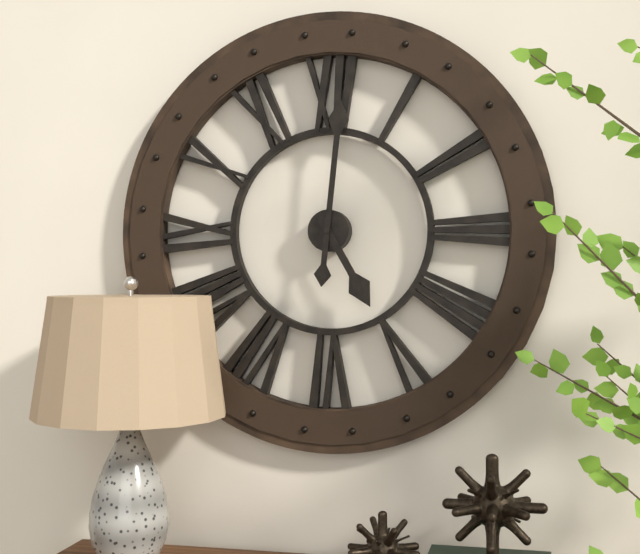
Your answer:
5 h 01 min
